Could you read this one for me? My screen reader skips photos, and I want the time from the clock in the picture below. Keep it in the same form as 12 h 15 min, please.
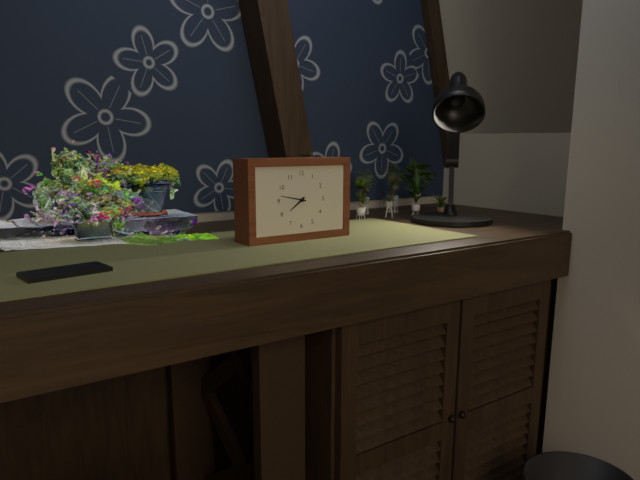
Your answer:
7 h 47 min
